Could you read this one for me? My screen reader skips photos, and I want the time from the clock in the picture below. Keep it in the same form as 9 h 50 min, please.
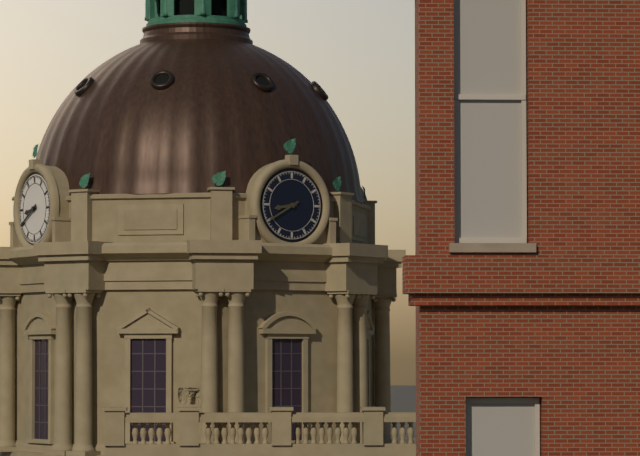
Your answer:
8 h 40 min
